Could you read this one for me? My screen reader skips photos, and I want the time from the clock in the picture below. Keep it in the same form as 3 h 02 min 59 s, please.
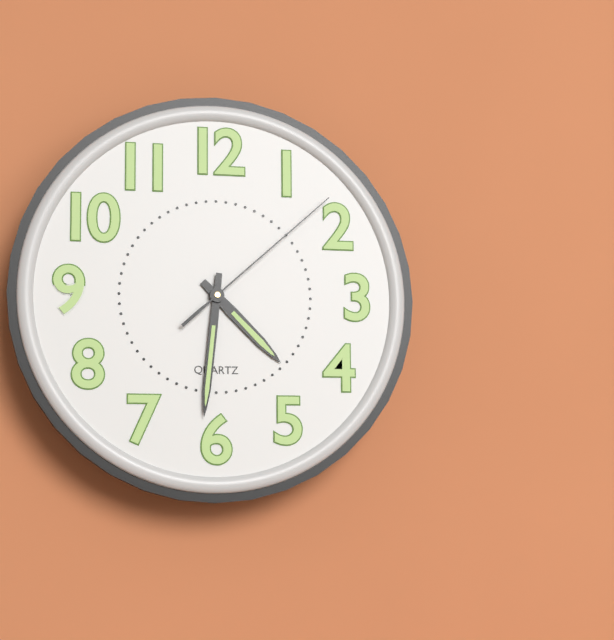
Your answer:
4 h 31 min 08 s
